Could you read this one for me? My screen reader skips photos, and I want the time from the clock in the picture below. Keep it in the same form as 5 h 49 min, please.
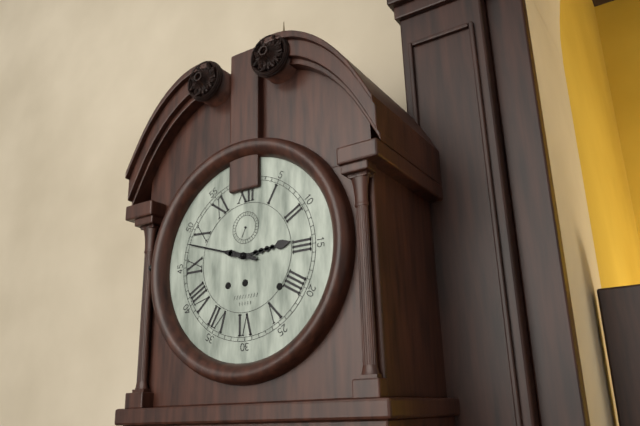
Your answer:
2 h 48 min
